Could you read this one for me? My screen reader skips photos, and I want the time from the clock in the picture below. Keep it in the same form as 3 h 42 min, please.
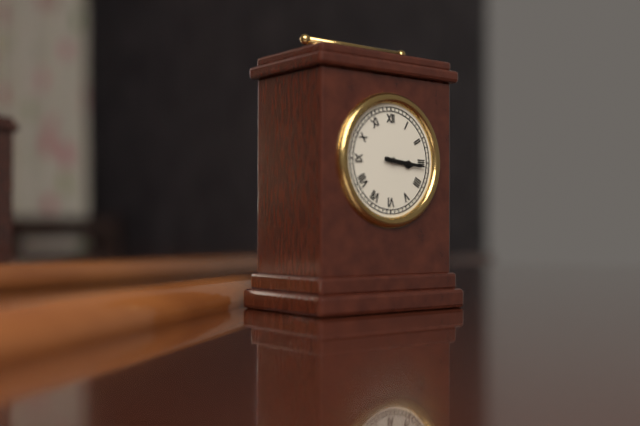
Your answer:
3 h 16 min
